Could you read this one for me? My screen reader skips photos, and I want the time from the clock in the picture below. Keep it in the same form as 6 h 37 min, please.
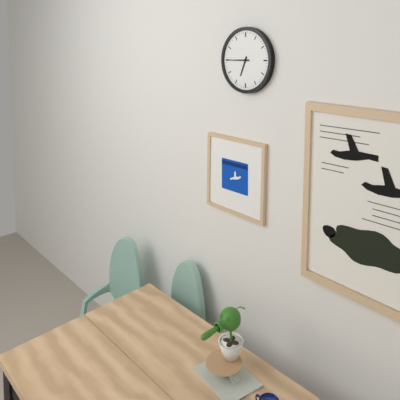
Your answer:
6 h 45 min
